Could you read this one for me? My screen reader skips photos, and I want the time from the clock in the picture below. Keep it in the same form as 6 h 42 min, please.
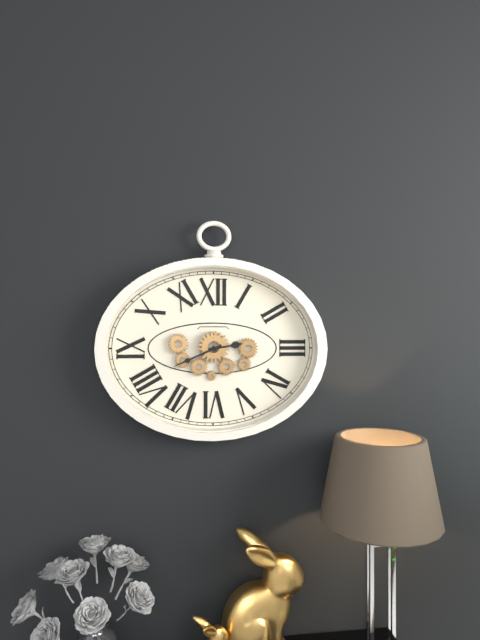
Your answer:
2 h 41 min
